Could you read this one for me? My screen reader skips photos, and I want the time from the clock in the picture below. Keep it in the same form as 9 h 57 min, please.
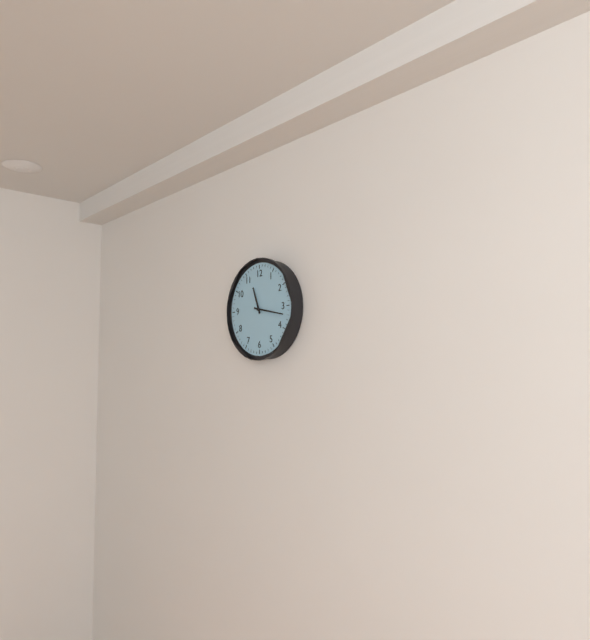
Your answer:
11 h 17 min
